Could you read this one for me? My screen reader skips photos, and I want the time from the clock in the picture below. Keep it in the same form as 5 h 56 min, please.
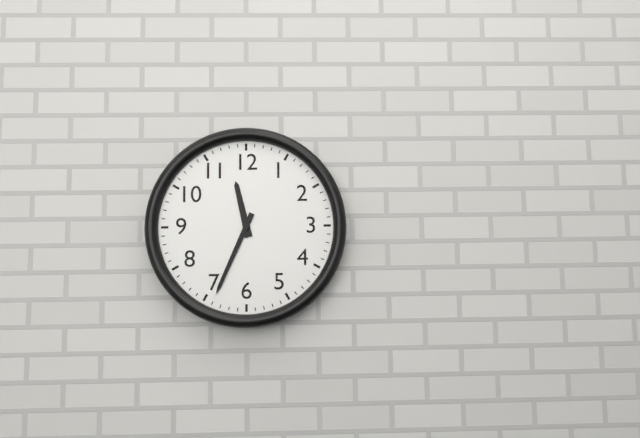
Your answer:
11 h 34 min
